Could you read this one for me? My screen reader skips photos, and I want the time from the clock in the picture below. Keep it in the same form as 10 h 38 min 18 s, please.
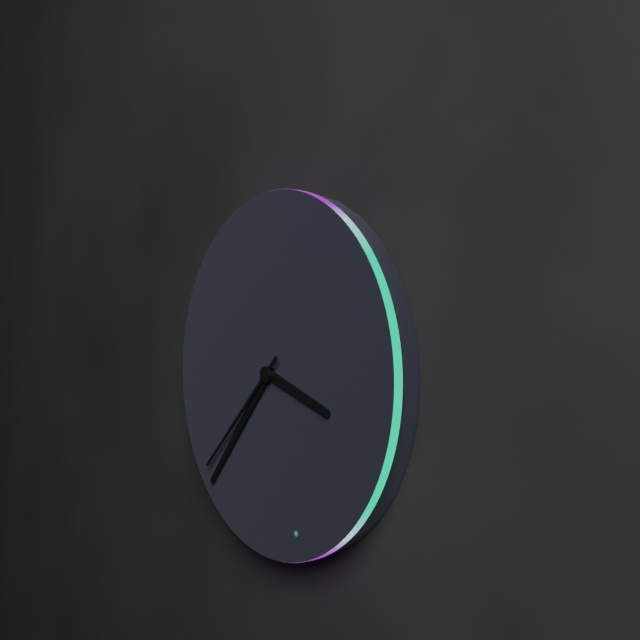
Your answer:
3 h 37 min 38 s
